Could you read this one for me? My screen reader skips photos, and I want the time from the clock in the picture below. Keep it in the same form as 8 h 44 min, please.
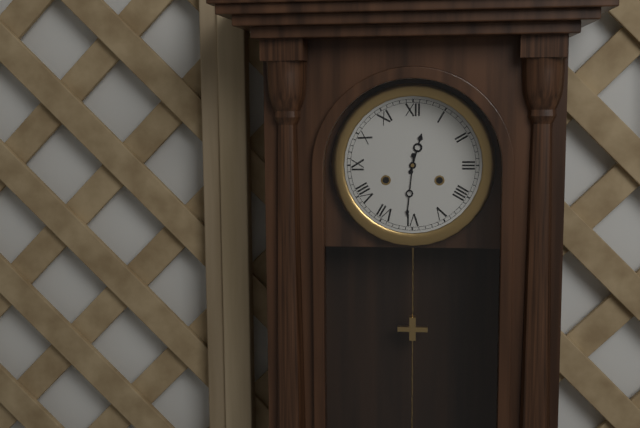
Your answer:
12 h 31 min
